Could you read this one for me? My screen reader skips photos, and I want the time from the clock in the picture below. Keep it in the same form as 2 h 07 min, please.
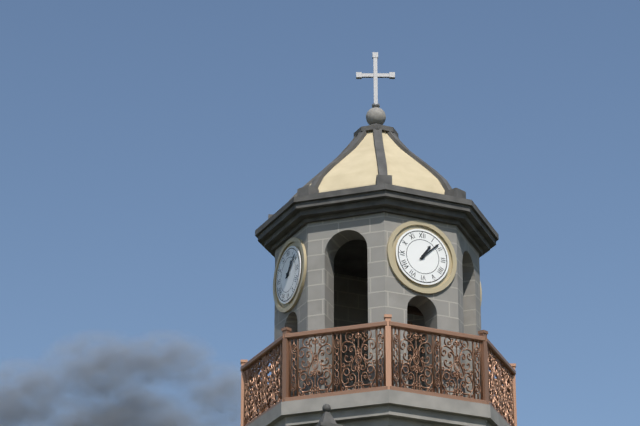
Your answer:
1 h 08 min
